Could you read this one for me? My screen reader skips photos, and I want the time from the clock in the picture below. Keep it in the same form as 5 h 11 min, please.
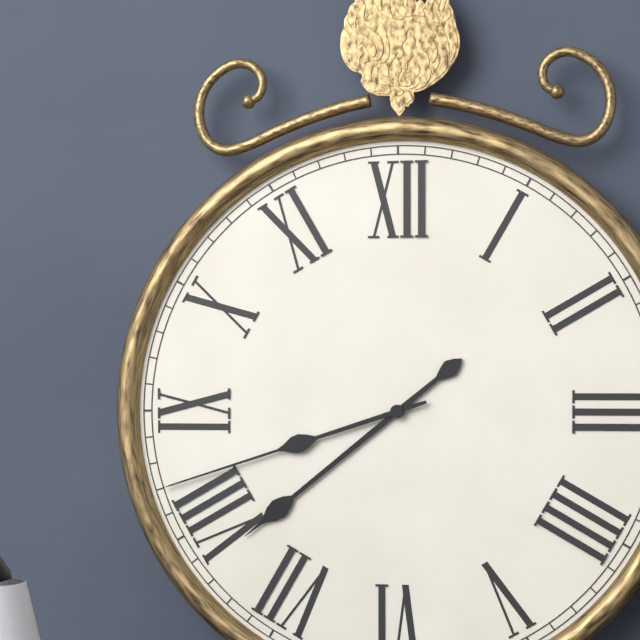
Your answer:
7 h 42 min
